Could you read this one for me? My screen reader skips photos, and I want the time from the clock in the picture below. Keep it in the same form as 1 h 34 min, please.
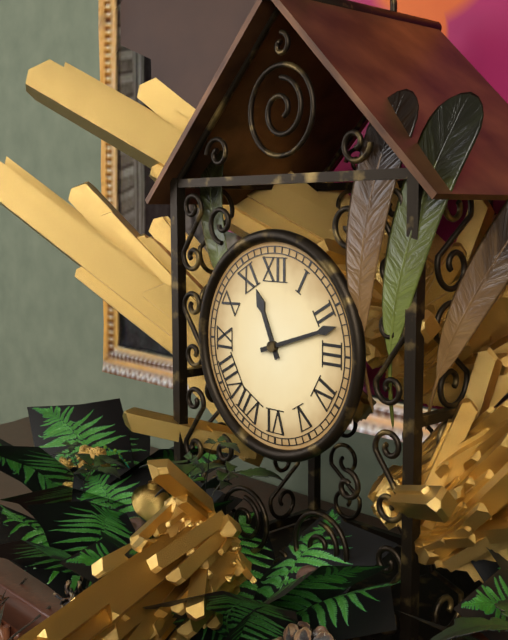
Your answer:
11 h 12 min
